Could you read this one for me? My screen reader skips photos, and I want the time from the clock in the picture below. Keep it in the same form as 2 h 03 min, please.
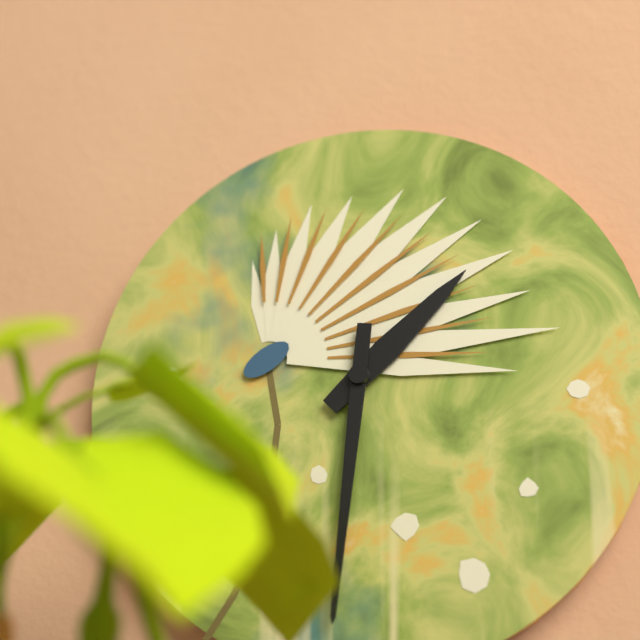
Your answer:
1 h 31 min
